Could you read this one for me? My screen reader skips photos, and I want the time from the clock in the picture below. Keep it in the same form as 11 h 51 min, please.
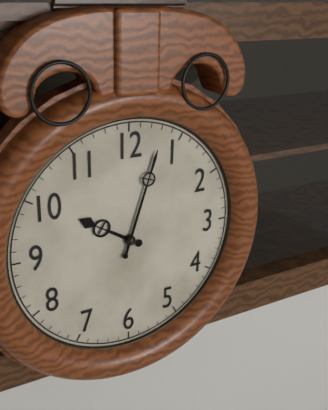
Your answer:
10 h 03 min
